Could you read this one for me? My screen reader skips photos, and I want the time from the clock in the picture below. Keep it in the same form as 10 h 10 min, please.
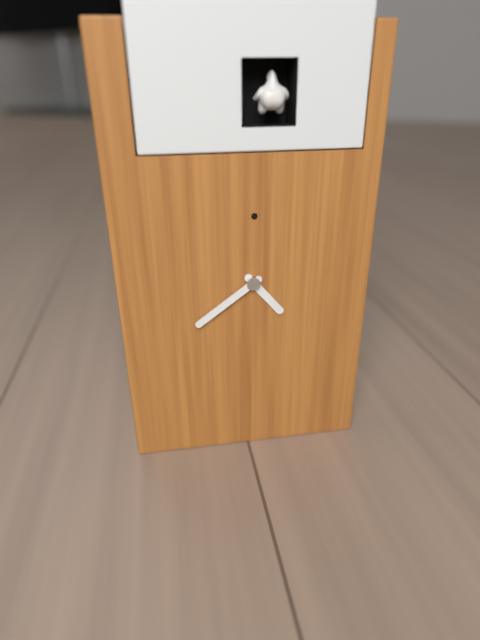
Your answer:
4 h 39 min
